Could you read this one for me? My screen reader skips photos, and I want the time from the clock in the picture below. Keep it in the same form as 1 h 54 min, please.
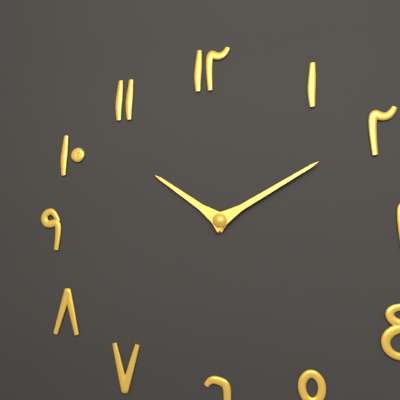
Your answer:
10 h 10 min
